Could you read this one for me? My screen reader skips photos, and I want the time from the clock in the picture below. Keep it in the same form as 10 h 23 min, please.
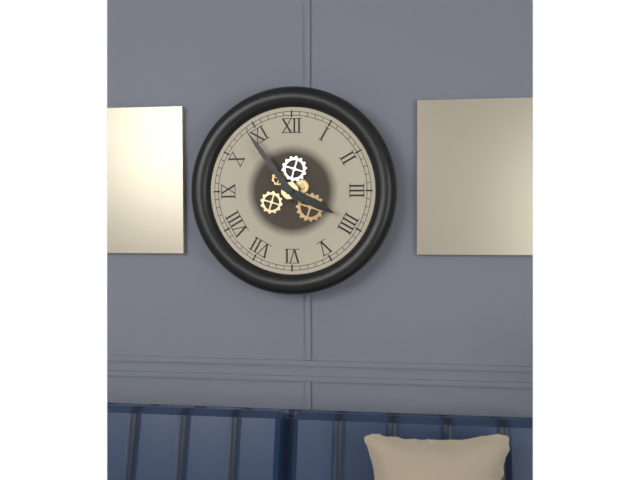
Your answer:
3 h 54 min
